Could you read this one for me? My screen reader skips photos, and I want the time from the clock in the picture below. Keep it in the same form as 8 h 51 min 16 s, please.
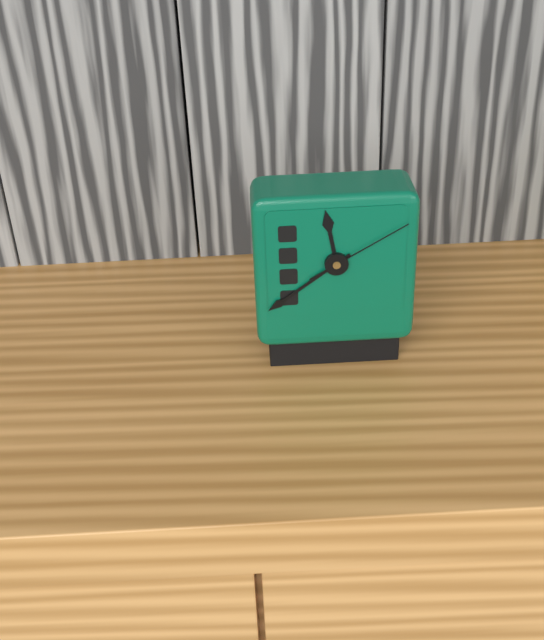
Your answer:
11 h 39 min 10 s
